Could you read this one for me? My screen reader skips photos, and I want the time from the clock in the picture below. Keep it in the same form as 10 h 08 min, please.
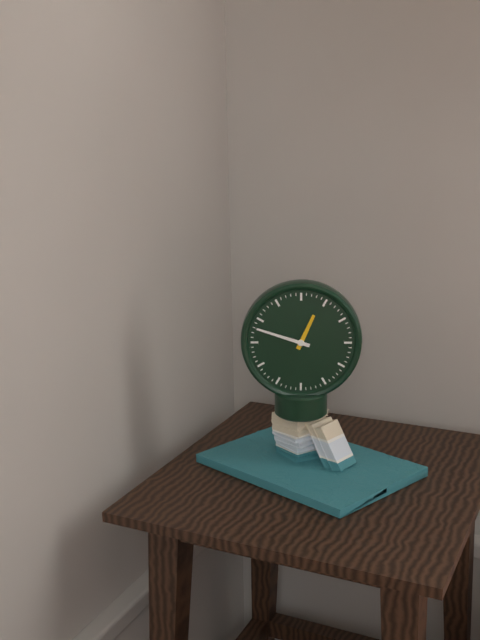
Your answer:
12 h 48 min
